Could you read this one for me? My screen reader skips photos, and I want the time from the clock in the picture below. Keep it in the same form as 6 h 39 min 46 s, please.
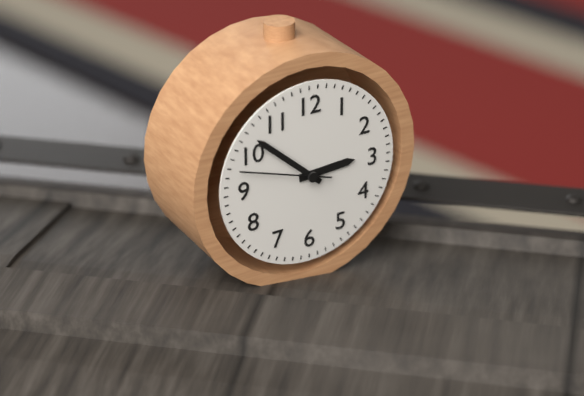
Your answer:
2 h 52 min 48 s
